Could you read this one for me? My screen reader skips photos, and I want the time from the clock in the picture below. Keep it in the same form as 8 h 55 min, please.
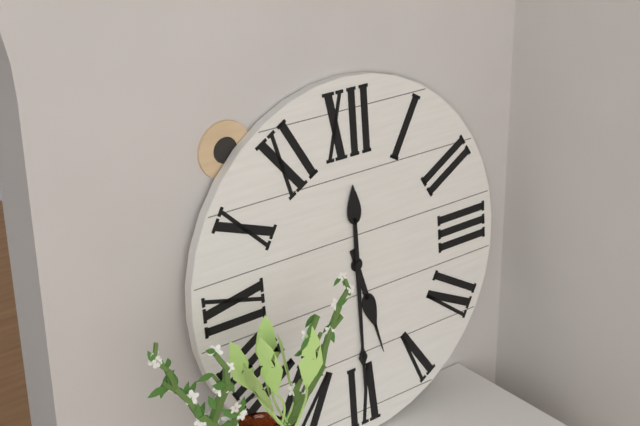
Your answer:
5 h 30 min
